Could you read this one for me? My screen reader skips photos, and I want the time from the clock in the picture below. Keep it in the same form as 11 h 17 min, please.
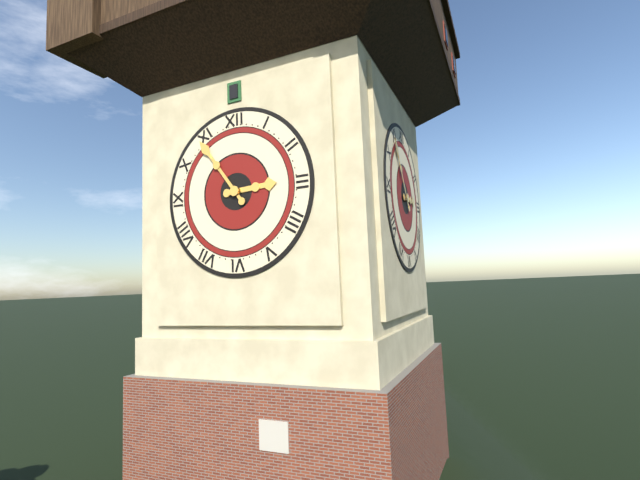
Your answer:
2 h 54 min
